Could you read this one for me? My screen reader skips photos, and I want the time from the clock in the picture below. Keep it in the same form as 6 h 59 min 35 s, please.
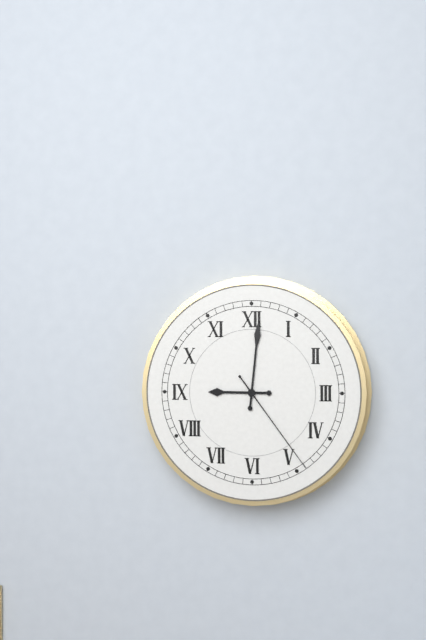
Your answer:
9 h 01 min 24 s
